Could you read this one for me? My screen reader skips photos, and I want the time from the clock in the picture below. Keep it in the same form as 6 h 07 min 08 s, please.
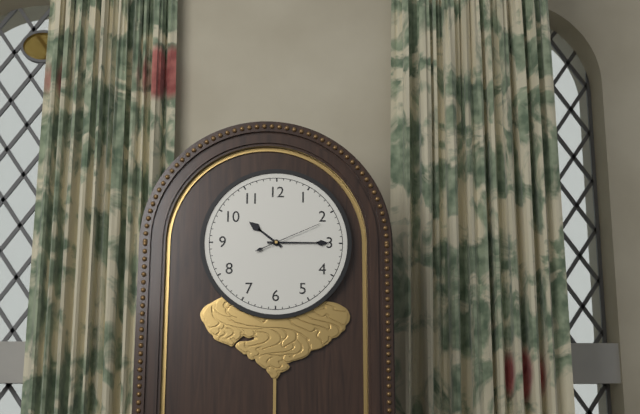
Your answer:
10 h 15 min 11 s
